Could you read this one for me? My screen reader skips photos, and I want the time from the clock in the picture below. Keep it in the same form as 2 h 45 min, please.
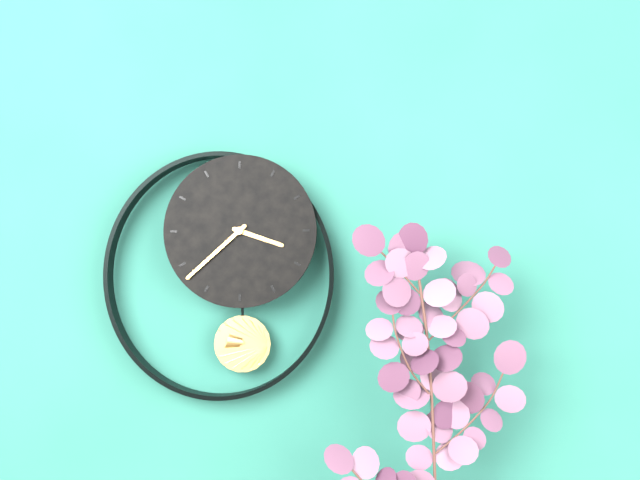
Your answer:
3 h 38 min
